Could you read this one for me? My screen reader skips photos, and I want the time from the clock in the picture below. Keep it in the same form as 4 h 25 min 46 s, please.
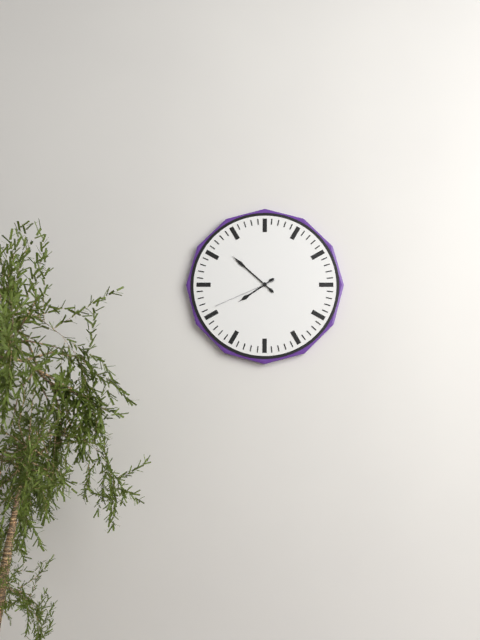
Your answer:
7 h 52 min 41 s
